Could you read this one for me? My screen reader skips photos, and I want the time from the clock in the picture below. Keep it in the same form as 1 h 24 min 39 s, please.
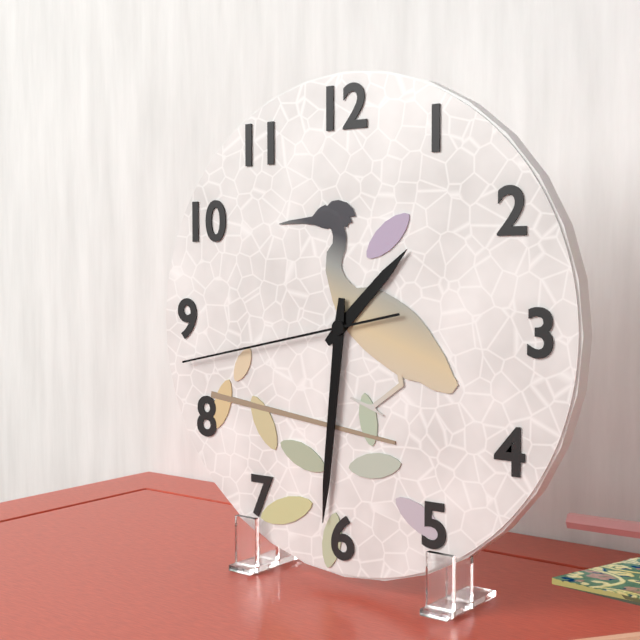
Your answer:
1 h 31 min 43 s
